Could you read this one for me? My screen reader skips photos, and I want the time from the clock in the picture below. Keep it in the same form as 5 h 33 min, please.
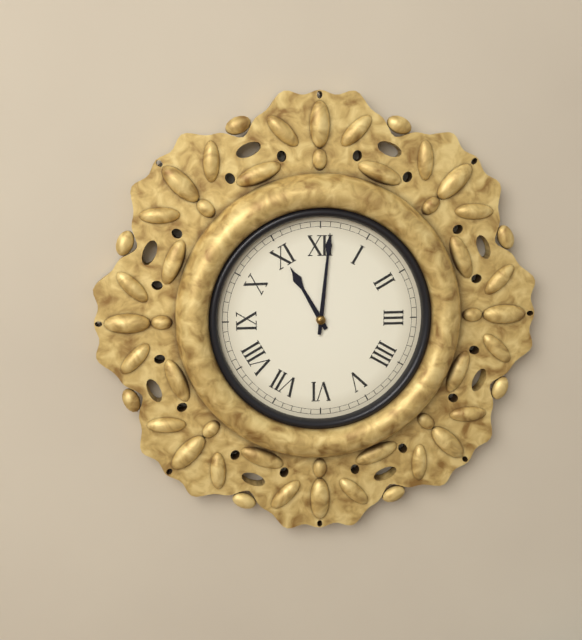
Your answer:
11 h 01 min
